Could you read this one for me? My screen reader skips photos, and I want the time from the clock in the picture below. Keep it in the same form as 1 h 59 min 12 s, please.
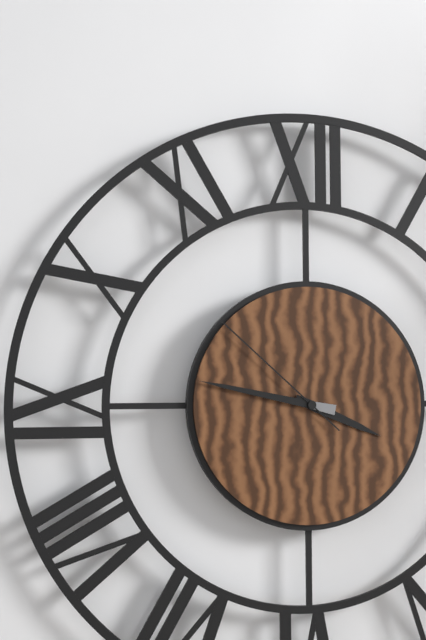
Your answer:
3 h 47 min 52 s
